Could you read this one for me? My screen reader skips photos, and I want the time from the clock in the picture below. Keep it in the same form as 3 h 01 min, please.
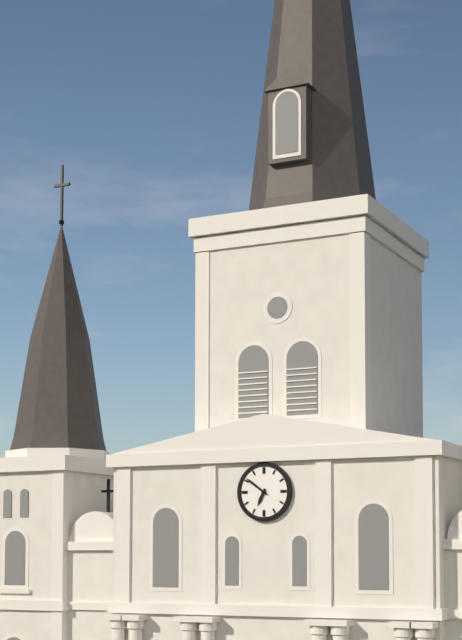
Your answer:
6 h 51 min
